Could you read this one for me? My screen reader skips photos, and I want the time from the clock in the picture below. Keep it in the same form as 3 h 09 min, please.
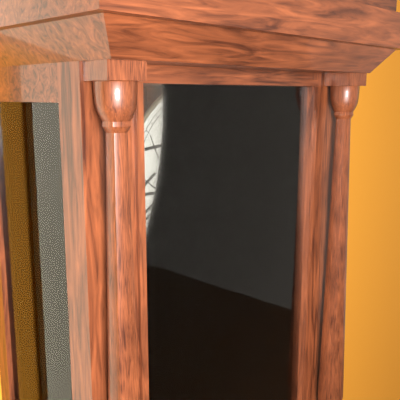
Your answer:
12 h 57 min
